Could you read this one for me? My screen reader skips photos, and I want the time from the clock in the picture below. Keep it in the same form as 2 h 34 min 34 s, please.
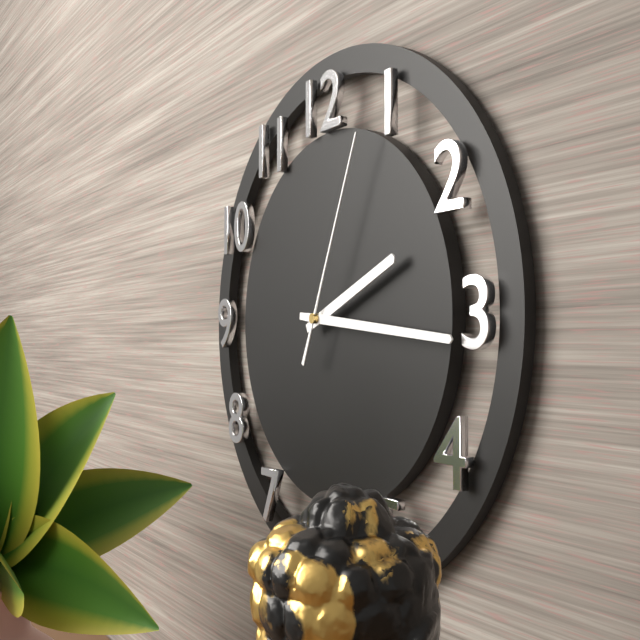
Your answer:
2 h 16 min 04 s
